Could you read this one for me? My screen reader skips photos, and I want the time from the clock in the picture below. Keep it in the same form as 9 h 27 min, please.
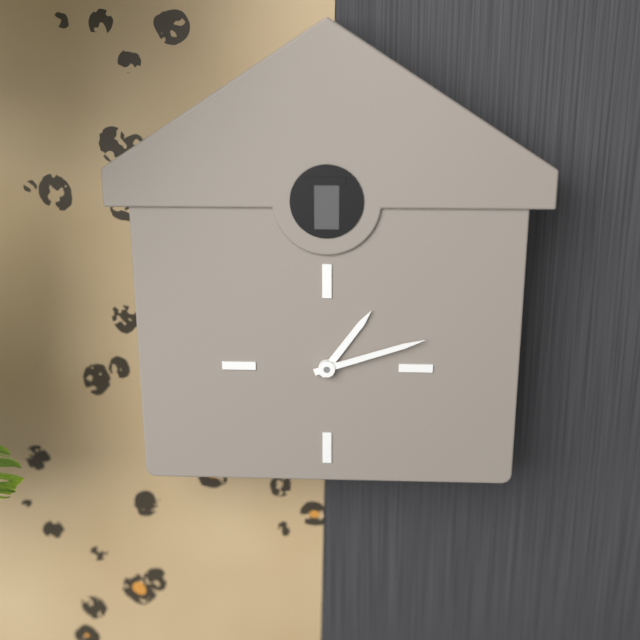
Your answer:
1 h 12 min
